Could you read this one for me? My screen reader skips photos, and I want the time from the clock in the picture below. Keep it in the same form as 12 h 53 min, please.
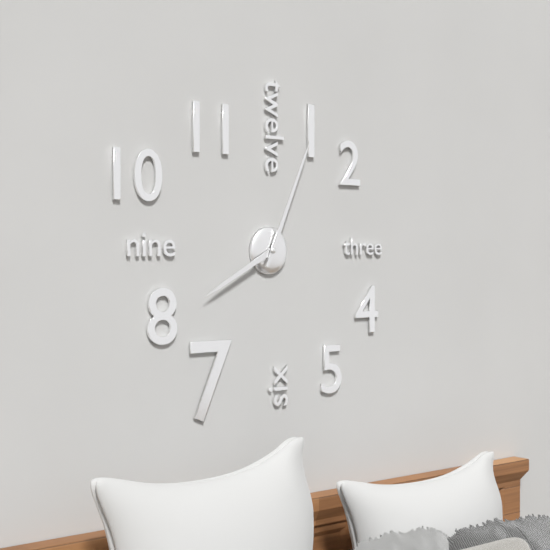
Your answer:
8 h 04 min
